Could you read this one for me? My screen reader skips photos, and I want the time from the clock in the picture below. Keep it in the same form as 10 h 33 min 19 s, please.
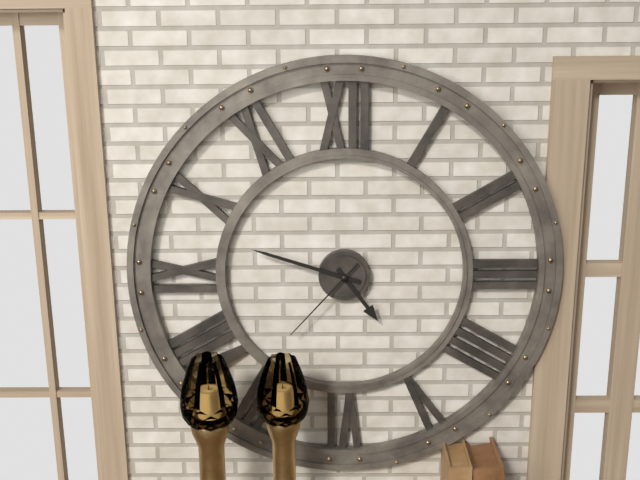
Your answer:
4 h 48 min 37 s
